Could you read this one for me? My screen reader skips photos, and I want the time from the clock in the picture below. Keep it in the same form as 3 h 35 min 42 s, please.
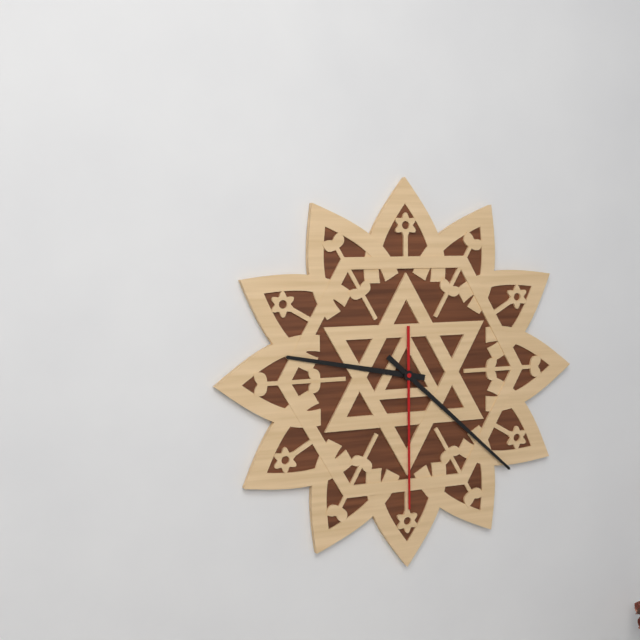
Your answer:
9 h 22 min 30 s
